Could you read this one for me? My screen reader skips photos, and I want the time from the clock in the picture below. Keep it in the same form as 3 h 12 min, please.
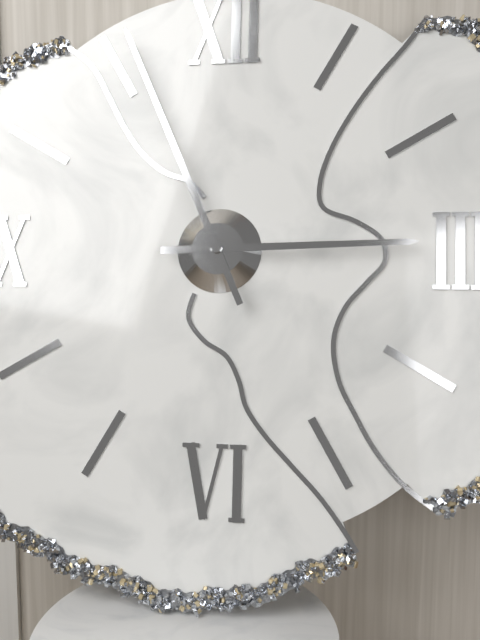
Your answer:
2 h 56 min
